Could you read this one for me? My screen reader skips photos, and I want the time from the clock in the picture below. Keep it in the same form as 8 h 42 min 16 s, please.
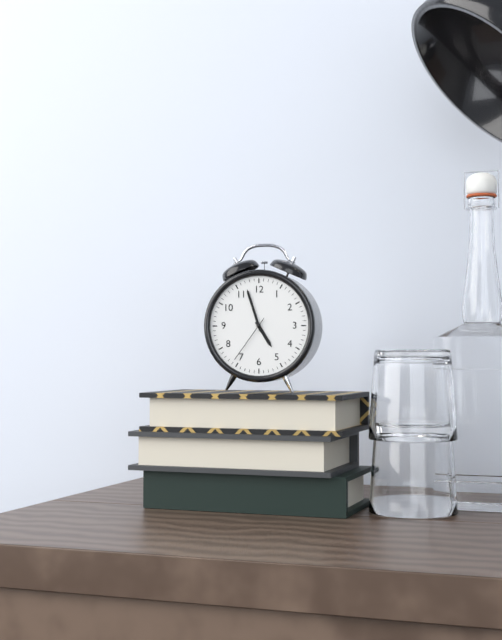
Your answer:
4 h 57 min 36 s
